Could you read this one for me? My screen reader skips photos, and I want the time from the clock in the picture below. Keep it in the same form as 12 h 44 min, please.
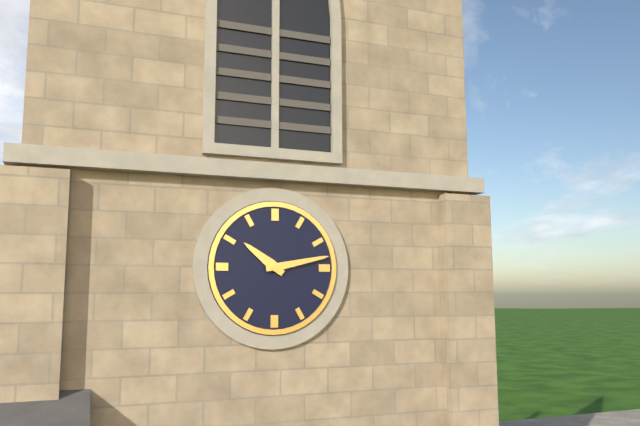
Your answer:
10 h 13 min
